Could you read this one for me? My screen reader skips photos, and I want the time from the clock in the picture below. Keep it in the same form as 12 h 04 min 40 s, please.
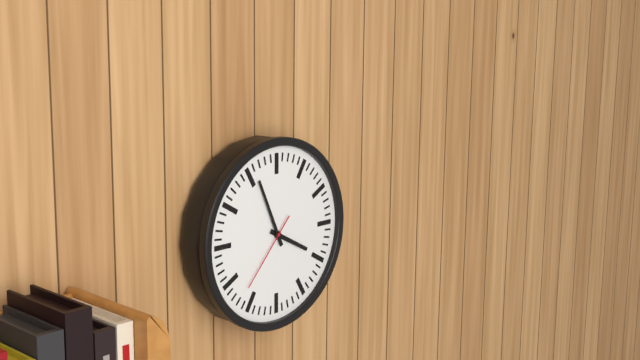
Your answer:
3 h 56 min 37 s
